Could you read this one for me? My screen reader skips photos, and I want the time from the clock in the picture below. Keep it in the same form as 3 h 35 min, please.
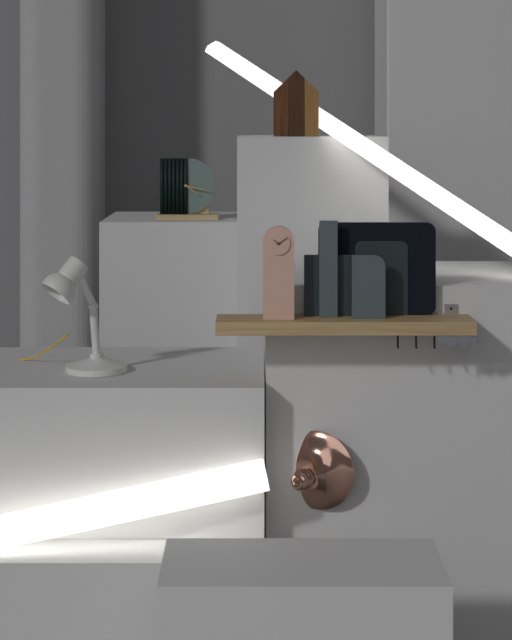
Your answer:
4 h 17 min
